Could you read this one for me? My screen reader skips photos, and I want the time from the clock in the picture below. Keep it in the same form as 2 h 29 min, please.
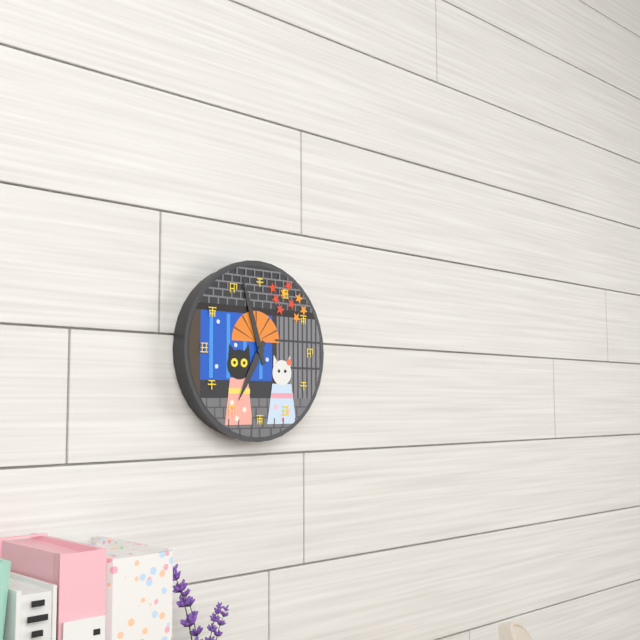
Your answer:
6 h 57 min
